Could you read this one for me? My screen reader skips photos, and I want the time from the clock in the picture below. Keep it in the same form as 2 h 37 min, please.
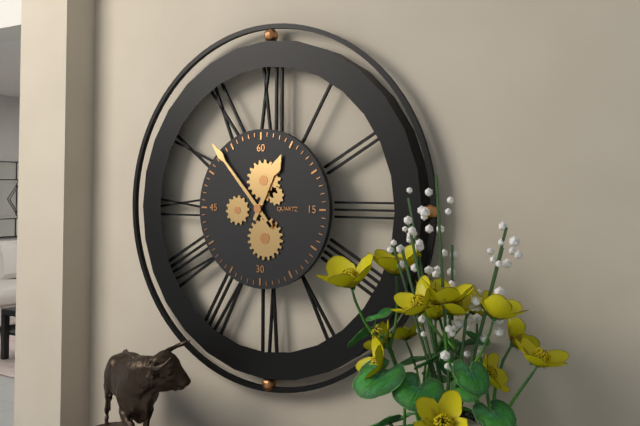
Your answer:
12 h 53 min
